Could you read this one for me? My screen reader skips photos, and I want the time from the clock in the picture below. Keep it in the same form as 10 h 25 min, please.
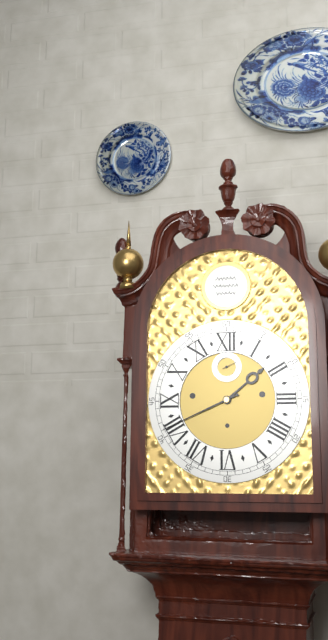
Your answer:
1 h 41 min
